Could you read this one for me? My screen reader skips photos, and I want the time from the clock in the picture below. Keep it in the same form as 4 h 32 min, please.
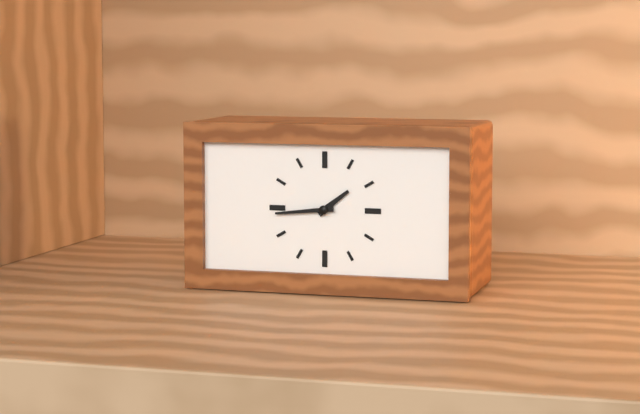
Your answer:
1 h 44 min
